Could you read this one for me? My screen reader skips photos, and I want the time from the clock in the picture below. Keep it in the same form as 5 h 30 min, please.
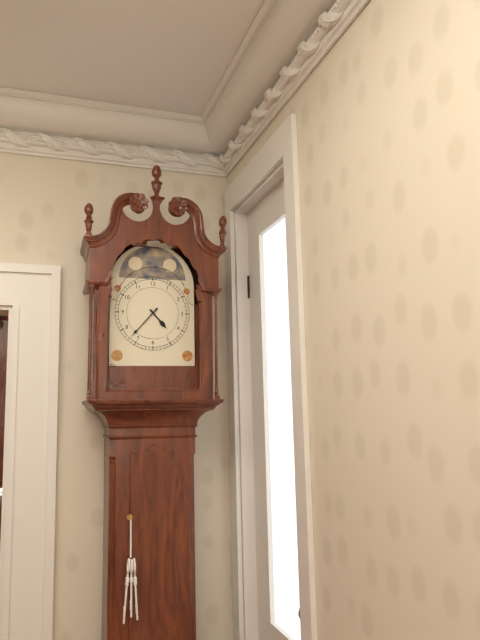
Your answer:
4 h 37 min
